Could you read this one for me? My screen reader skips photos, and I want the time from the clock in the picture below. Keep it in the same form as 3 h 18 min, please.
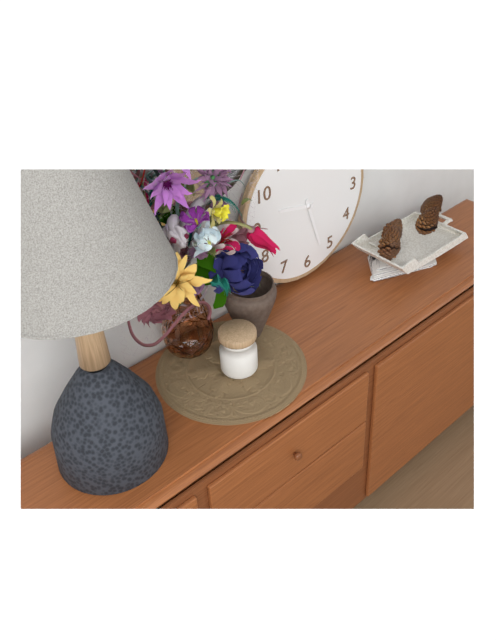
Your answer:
9 h 27 min
